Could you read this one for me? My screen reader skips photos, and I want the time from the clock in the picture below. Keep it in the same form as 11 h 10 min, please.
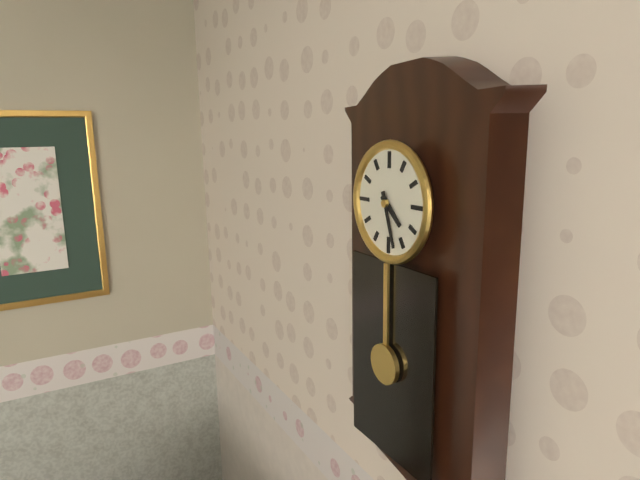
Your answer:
4 h 27 min
